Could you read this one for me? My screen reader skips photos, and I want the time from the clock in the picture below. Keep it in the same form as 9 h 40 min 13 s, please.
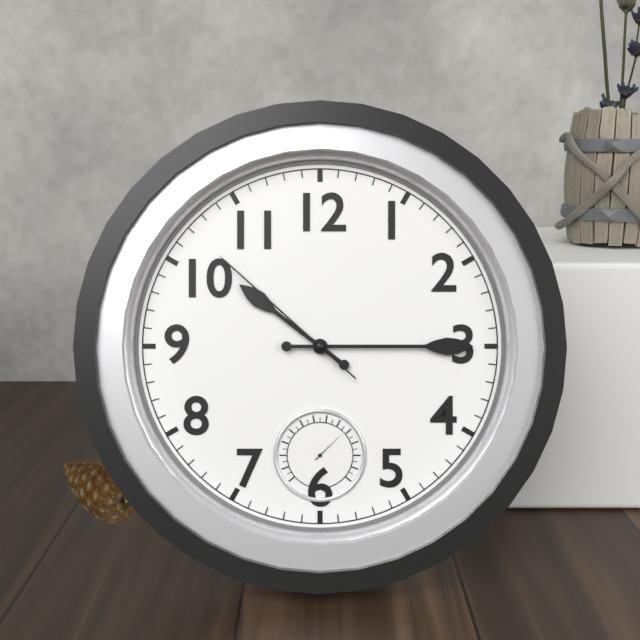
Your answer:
10 h 15 min 52 s
